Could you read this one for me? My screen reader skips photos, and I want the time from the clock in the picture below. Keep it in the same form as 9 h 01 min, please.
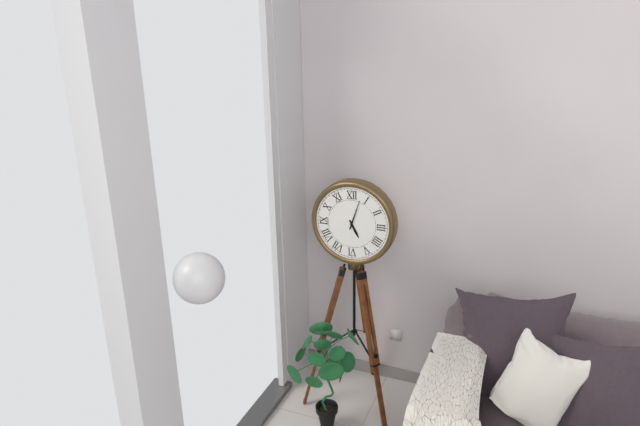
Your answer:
5 h 03 min
